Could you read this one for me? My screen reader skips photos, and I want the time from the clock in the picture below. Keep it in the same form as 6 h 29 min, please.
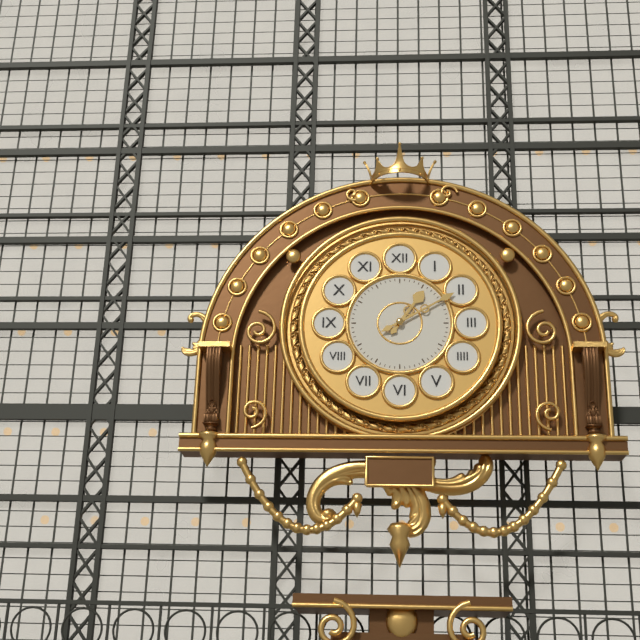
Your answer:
1 h 10 min
